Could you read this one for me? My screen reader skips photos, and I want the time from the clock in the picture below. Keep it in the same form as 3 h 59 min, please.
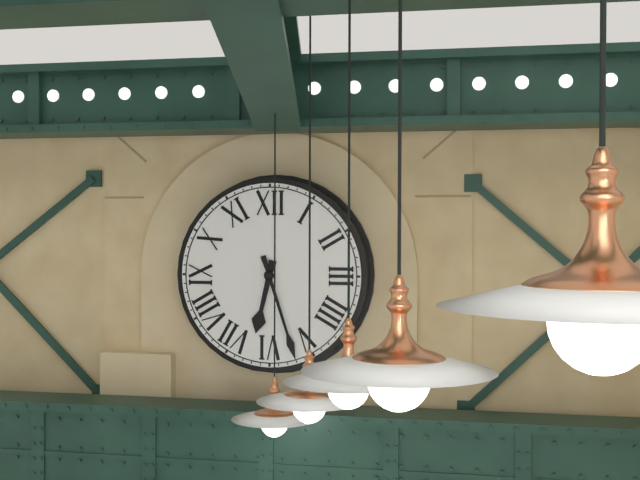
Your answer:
6 h 27 min
